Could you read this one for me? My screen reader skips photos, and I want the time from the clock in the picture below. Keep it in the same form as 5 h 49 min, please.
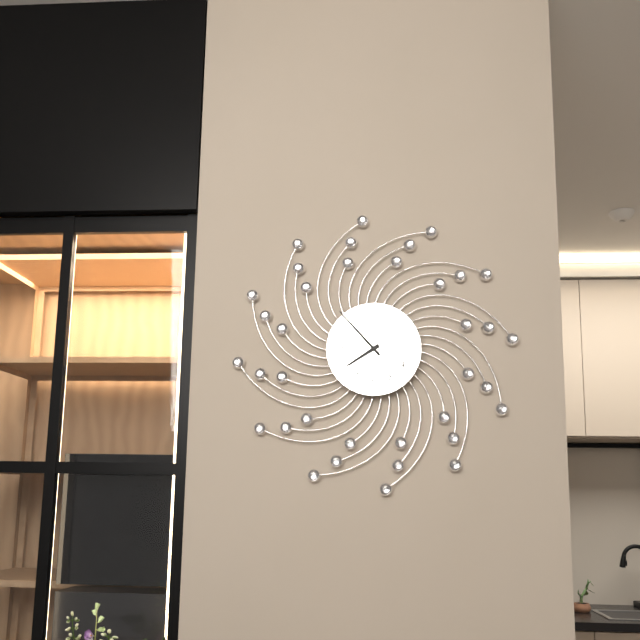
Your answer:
7 h 53 min
